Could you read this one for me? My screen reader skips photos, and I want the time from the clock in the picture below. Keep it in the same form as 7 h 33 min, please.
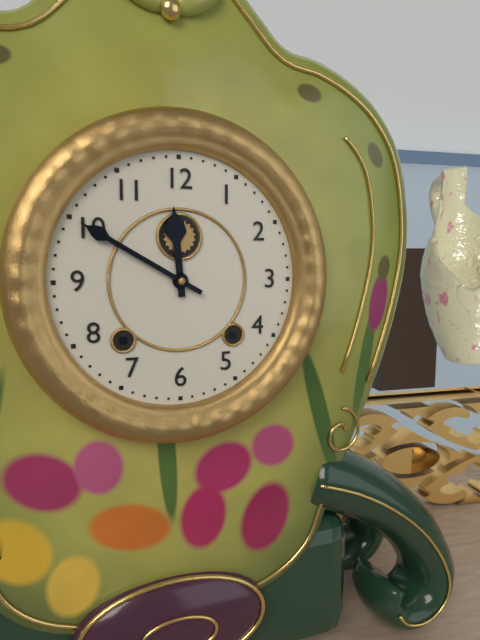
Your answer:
11 h 50 min
